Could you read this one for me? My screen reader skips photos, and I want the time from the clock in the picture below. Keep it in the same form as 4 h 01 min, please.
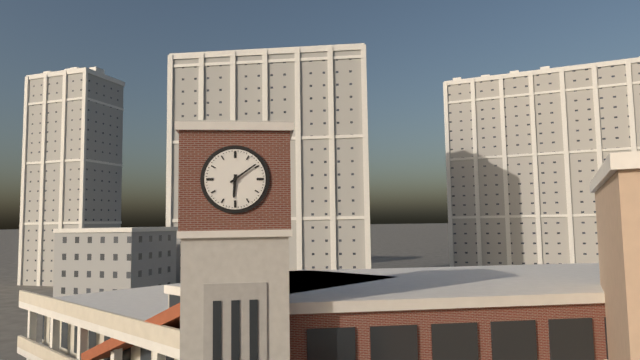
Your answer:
6 h 09 min
